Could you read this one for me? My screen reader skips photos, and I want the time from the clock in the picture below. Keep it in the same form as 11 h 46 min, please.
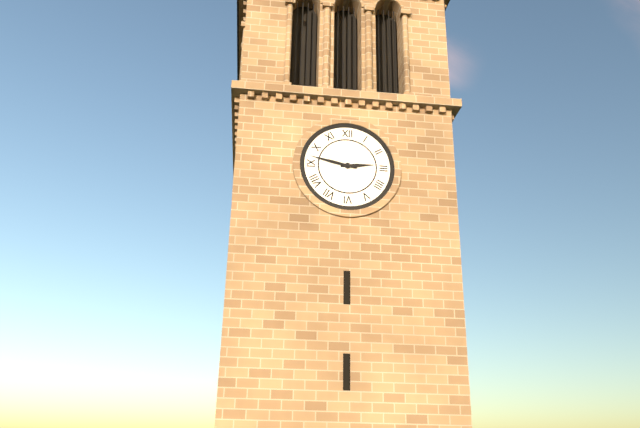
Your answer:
2 h 47 min
